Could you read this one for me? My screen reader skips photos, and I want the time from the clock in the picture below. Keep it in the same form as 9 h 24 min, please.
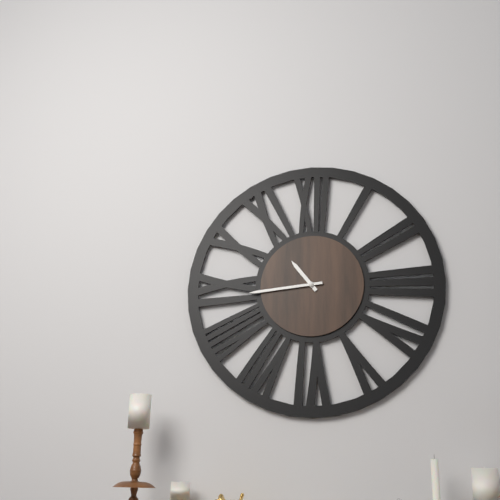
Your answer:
10 h 44 min
